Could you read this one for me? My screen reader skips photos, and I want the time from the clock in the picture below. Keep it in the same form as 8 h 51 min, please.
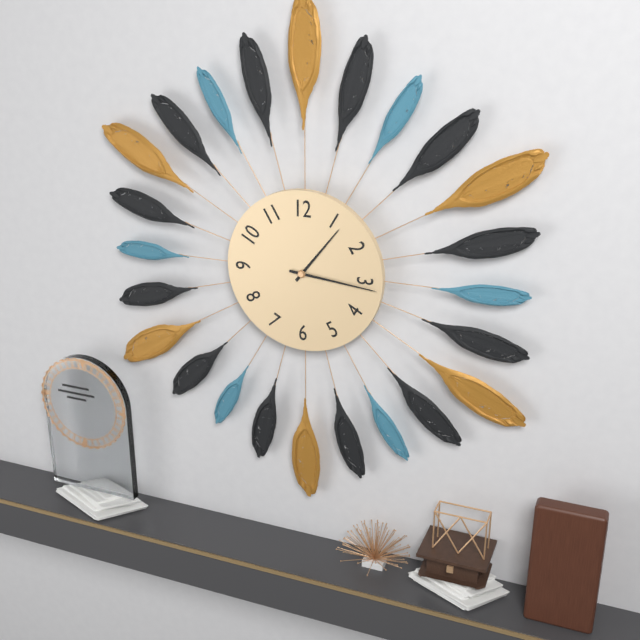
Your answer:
1 h 16 min
